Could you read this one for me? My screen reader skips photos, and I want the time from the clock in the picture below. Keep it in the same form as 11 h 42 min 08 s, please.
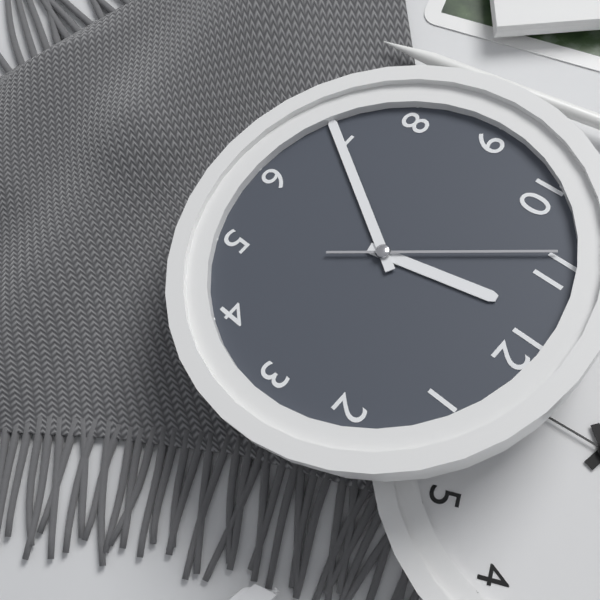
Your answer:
11 h 35 min 54 s
